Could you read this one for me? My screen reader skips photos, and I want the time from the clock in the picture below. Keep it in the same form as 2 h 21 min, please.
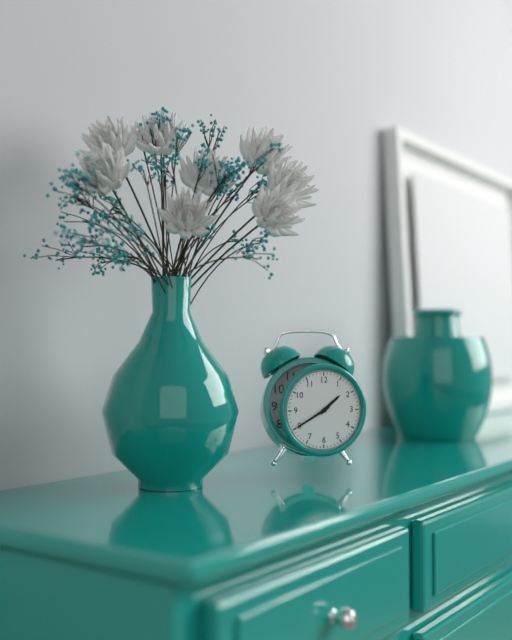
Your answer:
1 h 40 min
